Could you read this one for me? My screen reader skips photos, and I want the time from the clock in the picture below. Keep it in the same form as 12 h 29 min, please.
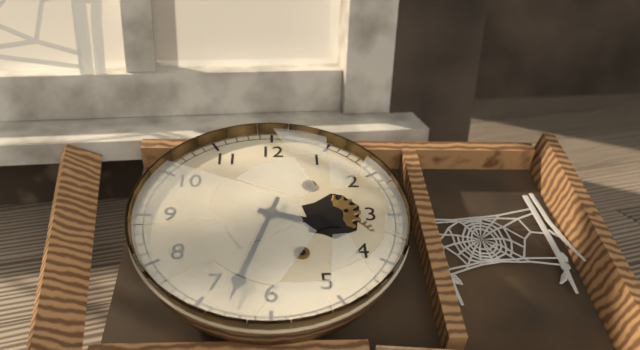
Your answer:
3 h 33 min
